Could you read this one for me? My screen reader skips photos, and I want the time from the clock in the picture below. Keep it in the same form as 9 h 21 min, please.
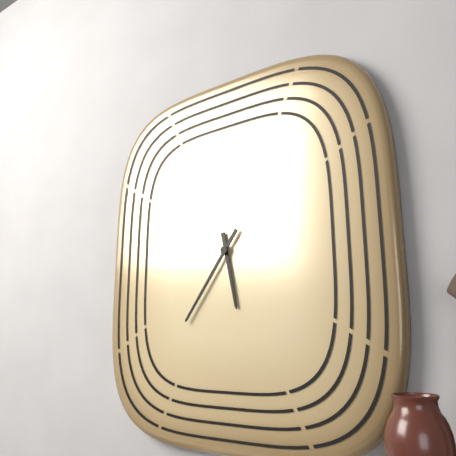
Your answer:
5 h 36 min
